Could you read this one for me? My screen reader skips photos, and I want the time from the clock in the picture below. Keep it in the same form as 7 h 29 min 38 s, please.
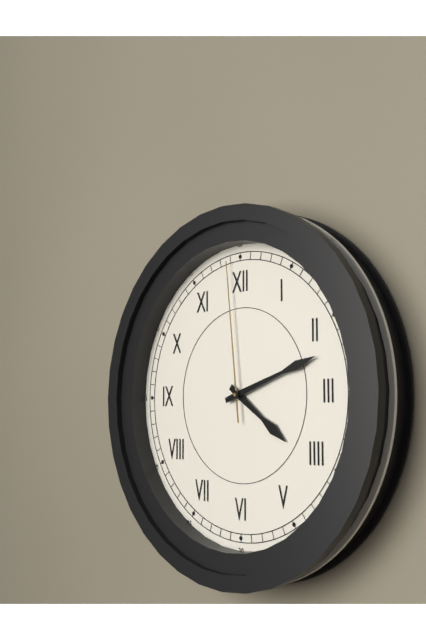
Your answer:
4 h 12 min 59 s
